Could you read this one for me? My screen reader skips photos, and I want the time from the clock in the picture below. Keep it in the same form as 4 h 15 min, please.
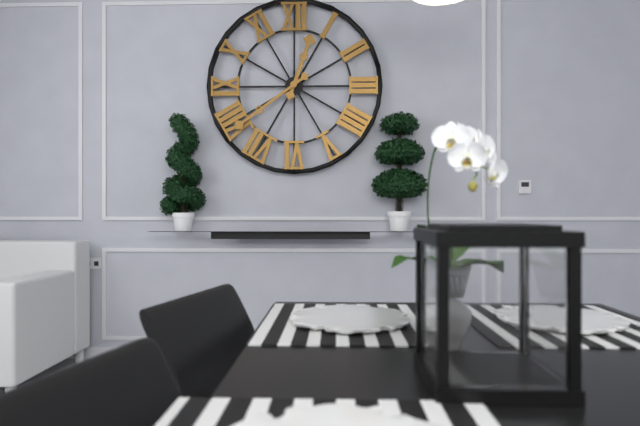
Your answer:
12 h 39 min
